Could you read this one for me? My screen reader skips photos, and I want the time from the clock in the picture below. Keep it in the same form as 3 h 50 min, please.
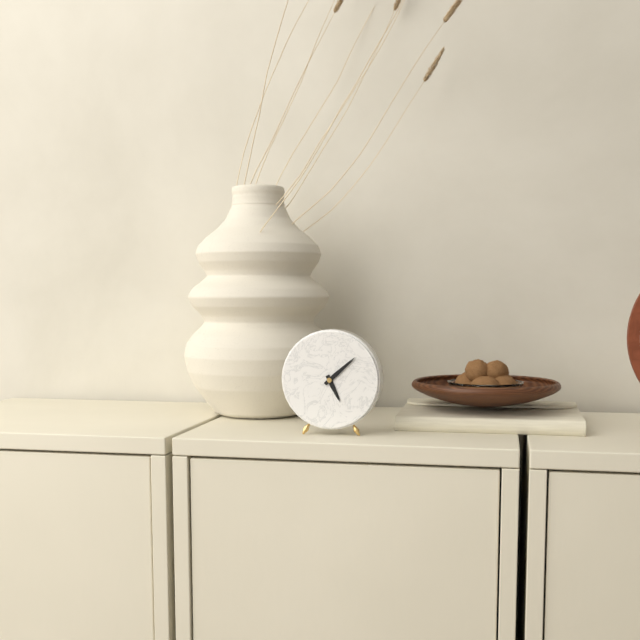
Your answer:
5 h 08 min
